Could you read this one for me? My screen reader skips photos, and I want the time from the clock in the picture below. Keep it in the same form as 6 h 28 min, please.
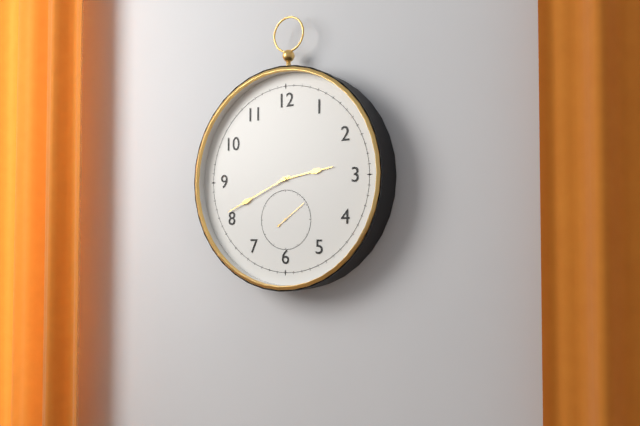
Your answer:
2 h 41 min
